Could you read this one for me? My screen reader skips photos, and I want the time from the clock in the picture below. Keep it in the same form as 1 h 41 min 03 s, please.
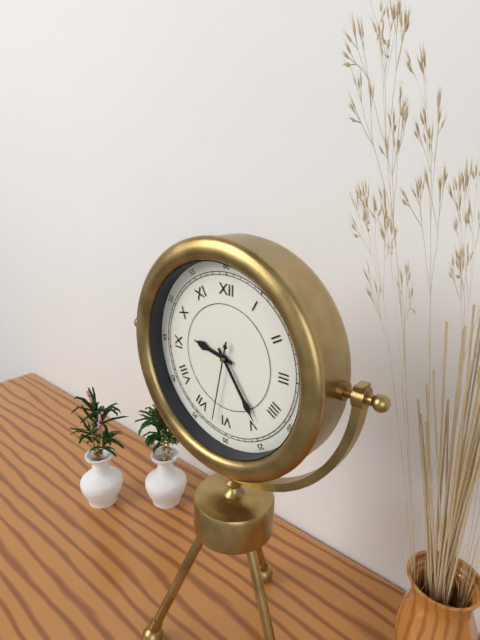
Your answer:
9 h 24 min 32 s
